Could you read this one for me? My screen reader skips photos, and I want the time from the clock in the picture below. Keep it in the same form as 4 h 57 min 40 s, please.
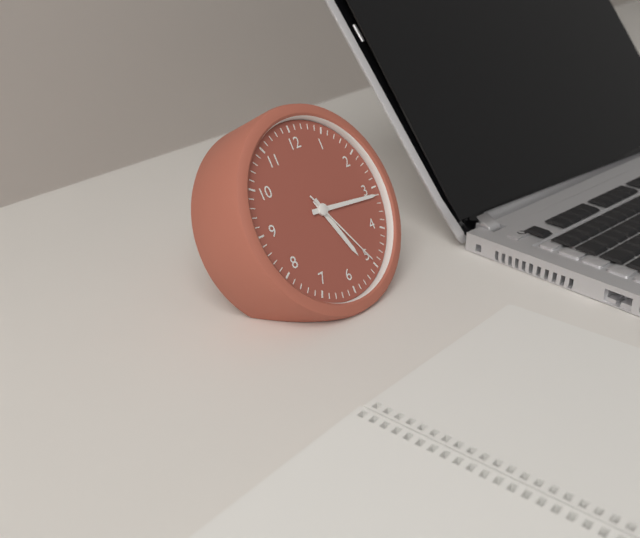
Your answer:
5 h 16 min 25 s
